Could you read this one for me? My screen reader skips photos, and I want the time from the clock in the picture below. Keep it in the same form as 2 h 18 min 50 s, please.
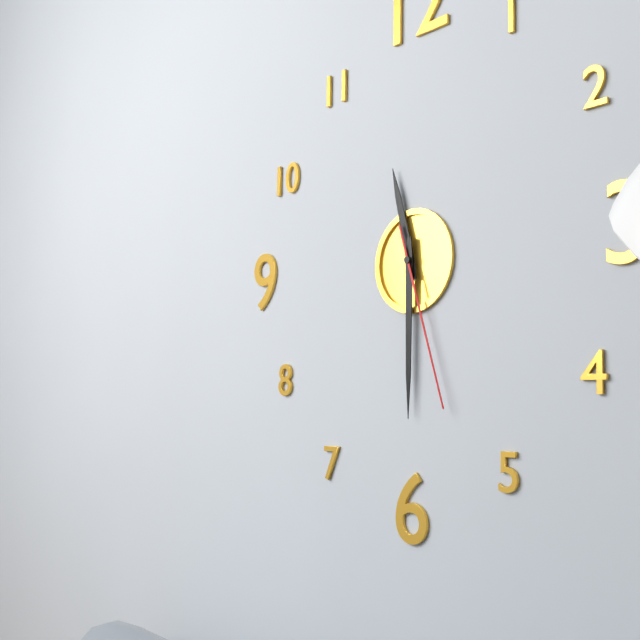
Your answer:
11 h 30 min 27 s
